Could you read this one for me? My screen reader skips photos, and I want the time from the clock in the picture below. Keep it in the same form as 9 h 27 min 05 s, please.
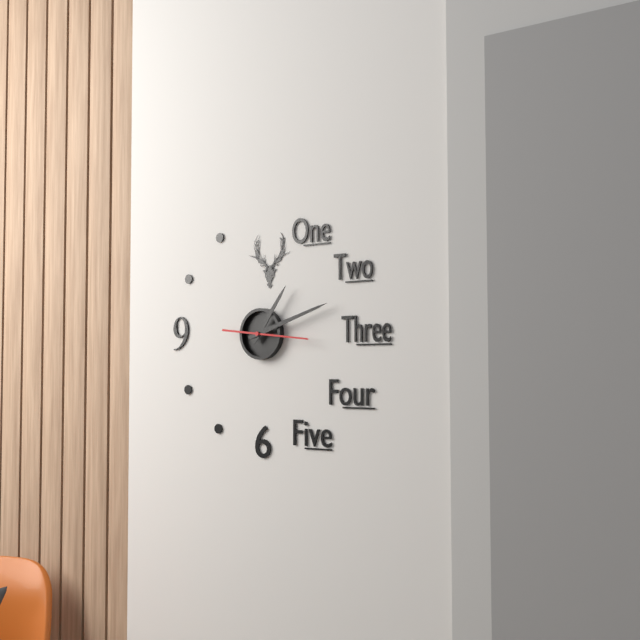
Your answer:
1 h 12 min 16 s
